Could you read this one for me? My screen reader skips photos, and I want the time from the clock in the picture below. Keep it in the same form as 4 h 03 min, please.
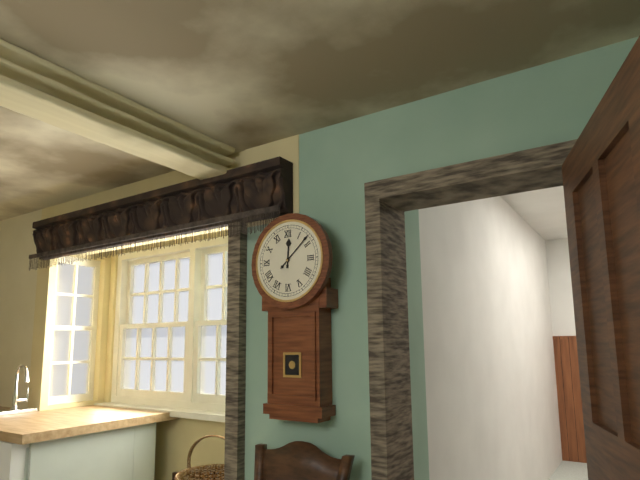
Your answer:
12 h 08 min
